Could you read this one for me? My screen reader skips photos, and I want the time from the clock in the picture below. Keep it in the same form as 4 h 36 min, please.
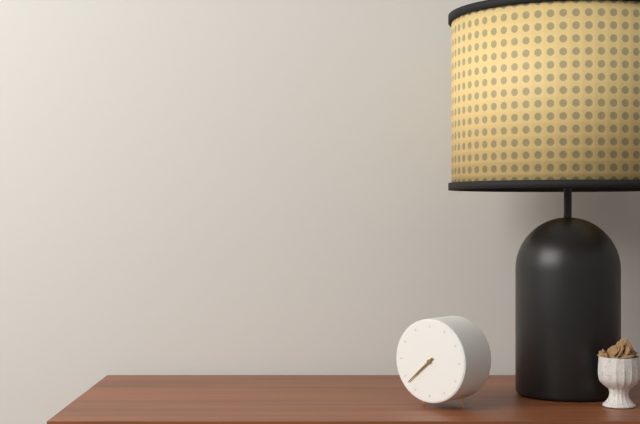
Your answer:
7 h 38 min
